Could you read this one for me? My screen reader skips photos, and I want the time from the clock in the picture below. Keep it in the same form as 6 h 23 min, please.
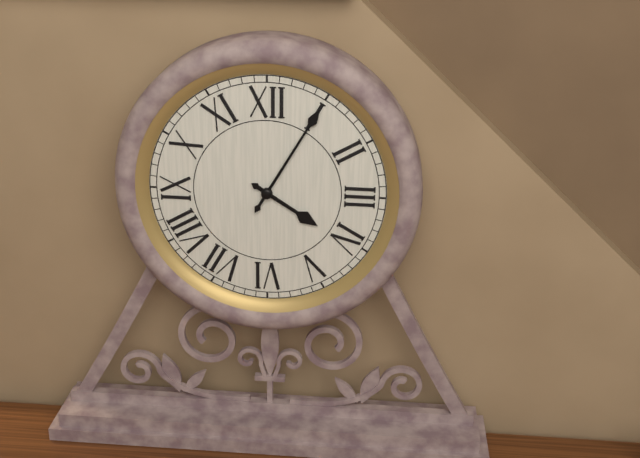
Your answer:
4 h 05 min
